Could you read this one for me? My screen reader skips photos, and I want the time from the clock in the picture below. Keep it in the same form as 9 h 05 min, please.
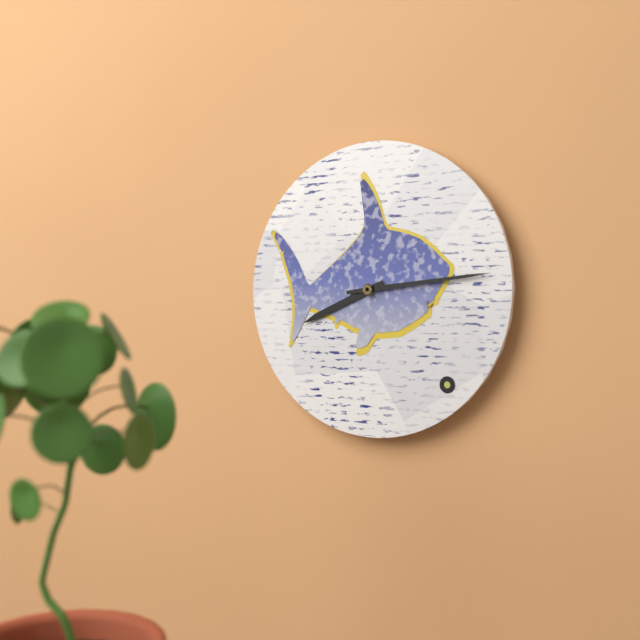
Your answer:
8 h 14 min
